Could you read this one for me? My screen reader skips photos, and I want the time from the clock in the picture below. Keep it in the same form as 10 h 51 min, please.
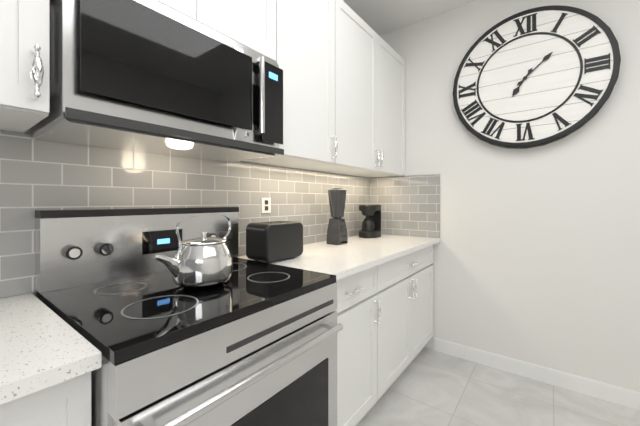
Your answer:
7 h 08 min
